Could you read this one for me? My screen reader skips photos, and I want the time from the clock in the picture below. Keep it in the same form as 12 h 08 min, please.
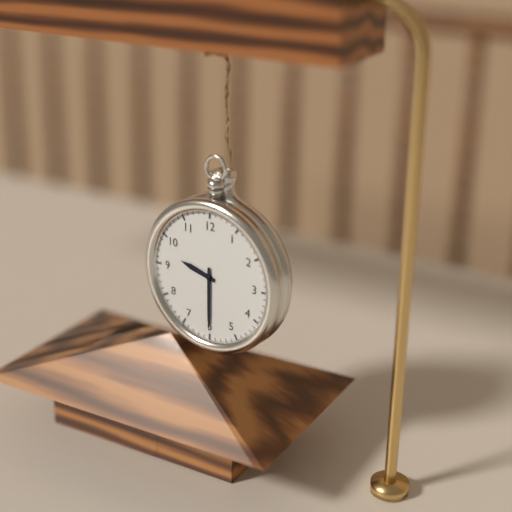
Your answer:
9 h 30 min
